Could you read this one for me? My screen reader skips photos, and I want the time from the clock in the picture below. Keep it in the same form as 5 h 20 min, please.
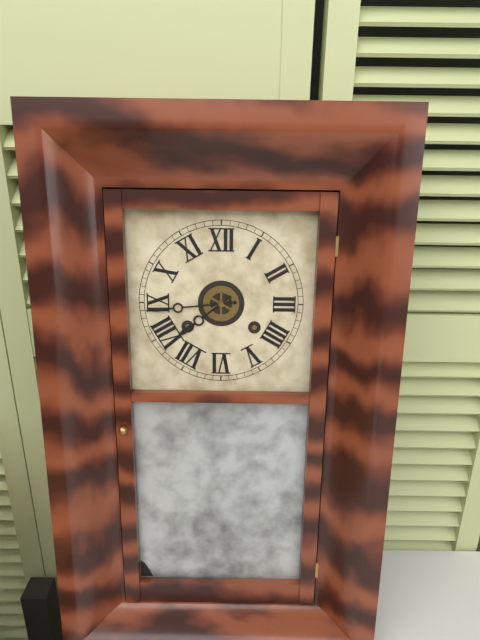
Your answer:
7 h 44 min
